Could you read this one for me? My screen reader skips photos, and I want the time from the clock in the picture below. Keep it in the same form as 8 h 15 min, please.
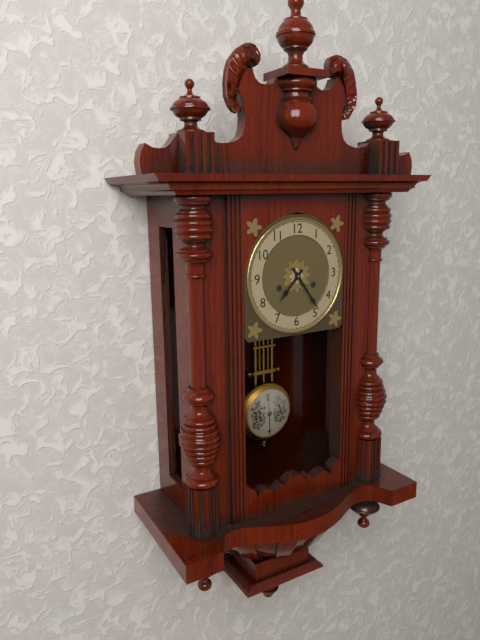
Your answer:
7 h 24 min
